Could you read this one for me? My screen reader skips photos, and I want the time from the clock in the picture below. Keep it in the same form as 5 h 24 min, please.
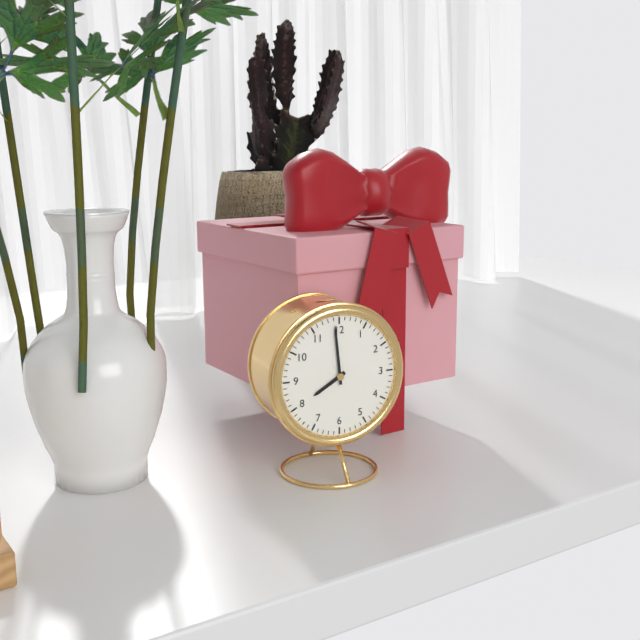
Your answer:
7 h 59 min
